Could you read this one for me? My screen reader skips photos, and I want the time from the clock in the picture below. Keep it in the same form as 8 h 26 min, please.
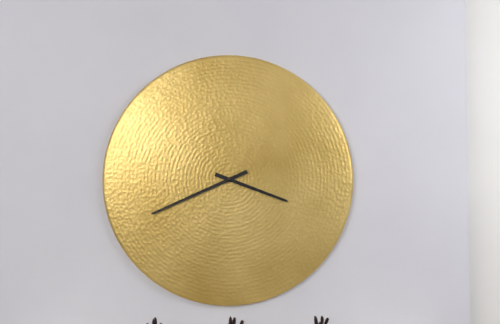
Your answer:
3 h 41 min
